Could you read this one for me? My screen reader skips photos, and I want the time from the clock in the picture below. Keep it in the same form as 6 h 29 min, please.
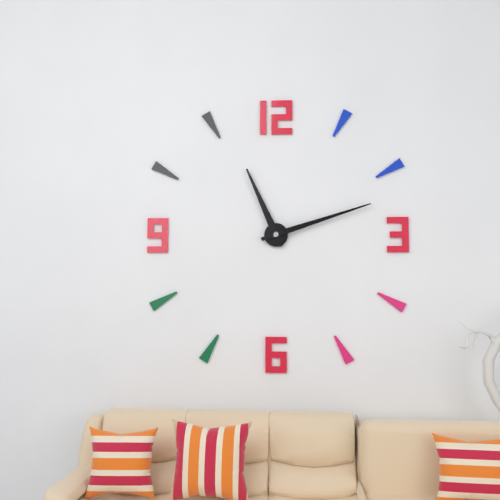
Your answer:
11 h 12 min
